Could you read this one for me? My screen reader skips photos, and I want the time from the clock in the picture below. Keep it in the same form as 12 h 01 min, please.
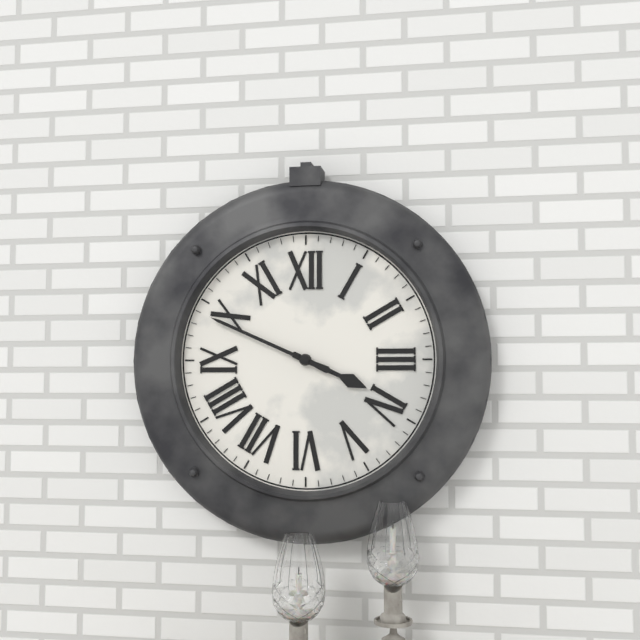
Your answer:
3 h 49 min
